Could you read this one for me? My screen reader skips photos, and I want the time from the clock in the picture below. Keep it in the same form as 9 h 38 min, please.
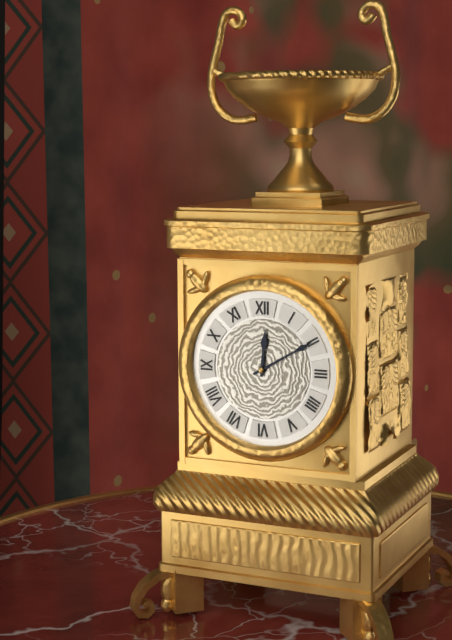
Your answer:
12 h 10 min
